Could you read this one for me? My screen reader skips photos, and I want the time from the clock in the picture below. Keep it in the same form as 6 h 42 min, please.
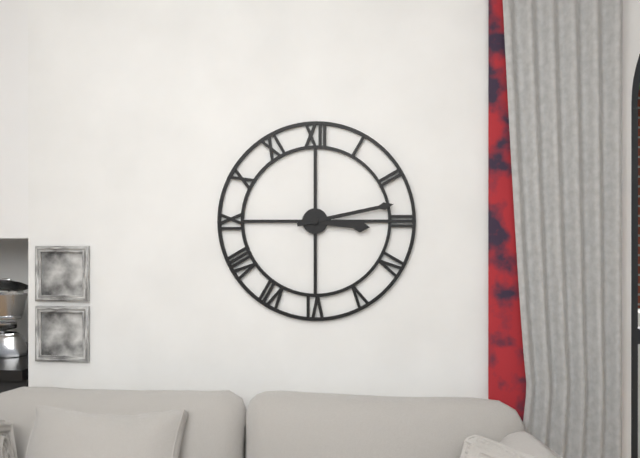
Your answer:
3 h 13 min
